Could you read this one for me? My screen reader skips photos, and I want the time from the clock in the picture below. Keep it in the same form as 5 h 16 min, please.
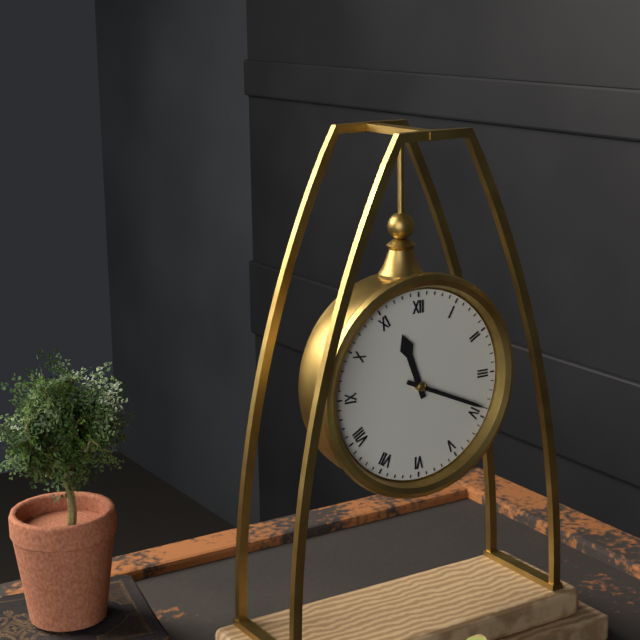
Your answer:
11 h 19 min
